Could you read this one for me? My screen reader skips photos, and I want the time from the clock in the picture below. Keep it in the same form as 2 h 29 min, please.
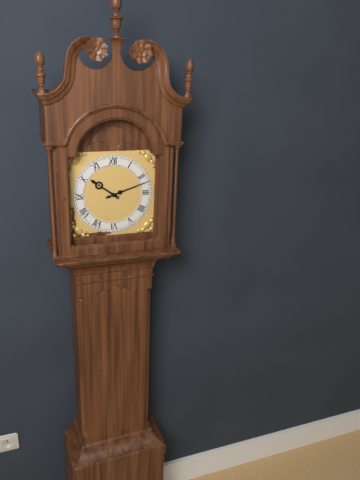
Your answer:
10 h 12 min
